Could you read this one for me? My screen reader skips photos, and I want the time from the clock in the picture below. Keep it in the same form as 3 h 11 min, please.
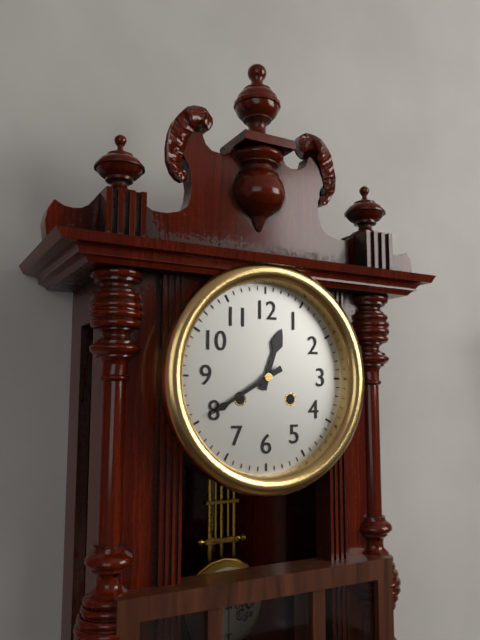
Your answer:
12 h 40 min
